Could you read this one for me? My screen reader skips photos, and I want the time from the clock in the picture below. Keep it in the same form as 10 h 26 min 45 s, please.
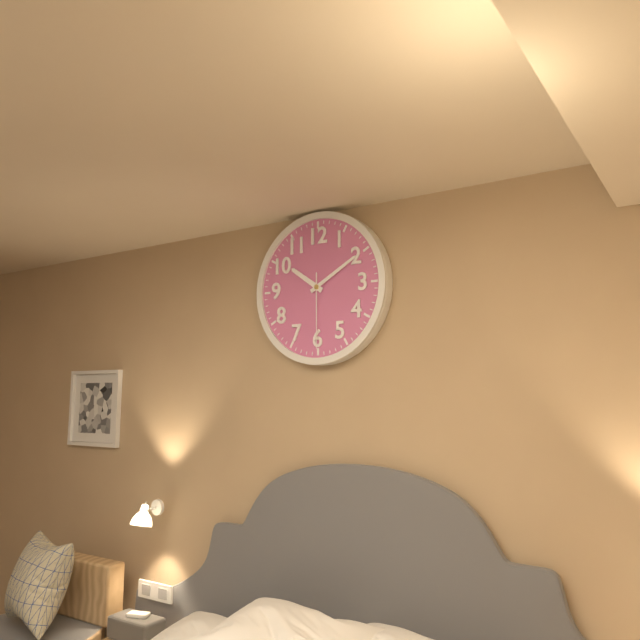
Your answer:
10 h 10 min 30 s
